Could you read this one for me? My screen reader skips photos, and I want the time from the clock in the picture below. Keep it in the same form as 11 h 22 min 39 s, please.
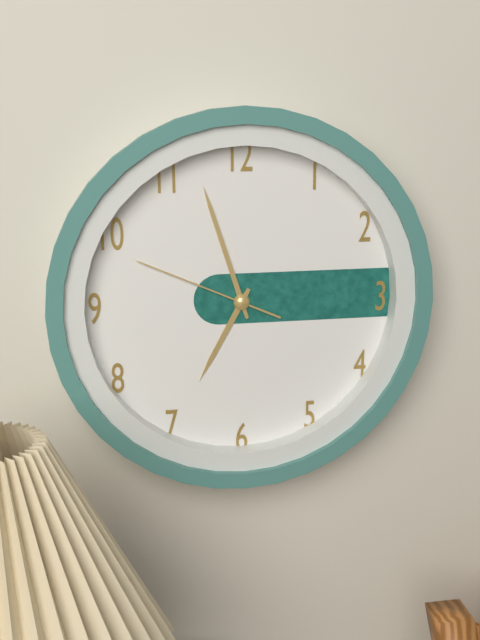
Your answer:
6 h 57 min 49 s
